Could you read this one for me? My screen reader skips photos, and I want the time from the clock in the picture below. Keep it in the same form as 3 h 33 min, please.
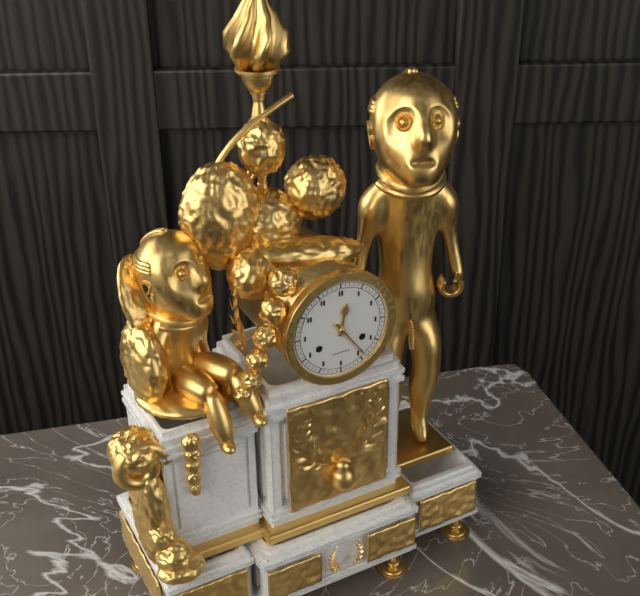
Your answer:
12 h 24 min
